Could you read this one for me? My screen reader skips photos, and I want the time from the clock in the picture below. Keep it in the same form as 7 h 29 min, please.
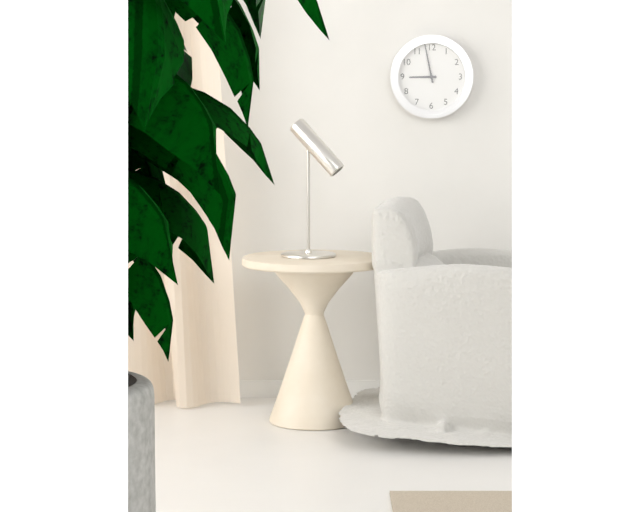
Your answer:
8 h 58 min
